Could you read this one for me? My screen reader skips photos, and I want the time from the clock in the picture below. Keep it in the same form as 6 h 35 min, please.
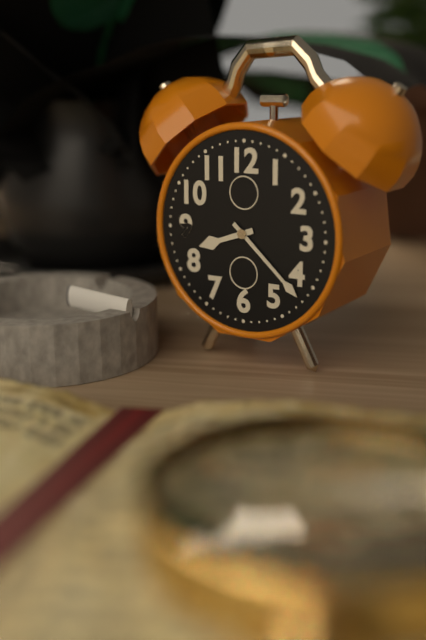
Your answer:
8 h 22 min
